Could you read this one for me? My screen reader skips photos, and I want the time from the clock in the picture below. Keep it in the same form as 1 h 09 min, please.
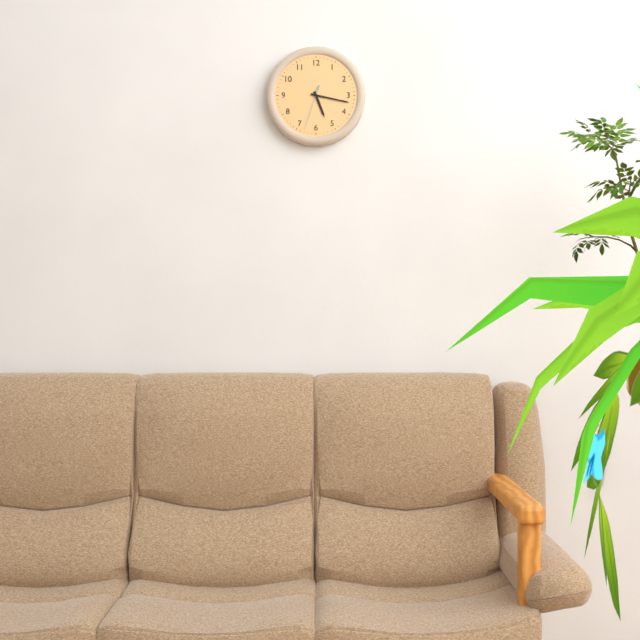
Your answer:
5 h 17 min
